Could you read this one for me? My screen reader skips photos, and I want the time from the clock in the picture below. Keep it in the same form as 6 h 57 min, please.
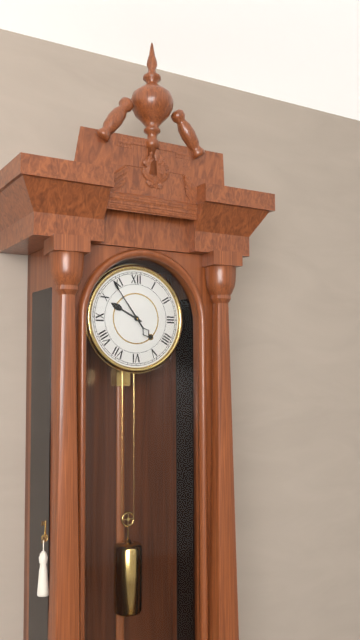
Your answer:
9 h 54 min
